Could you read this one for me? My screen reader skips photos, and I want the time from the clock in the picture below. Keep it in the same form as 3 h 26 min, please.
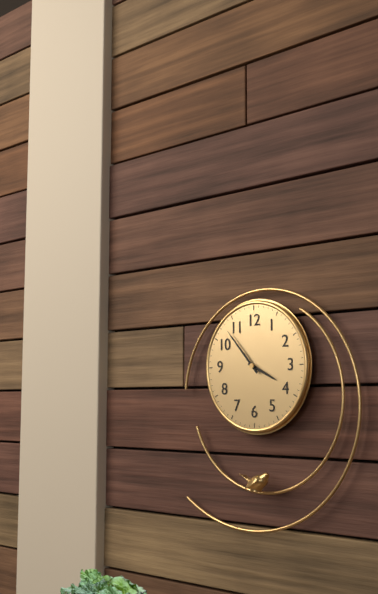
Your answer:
3 h 53 min
